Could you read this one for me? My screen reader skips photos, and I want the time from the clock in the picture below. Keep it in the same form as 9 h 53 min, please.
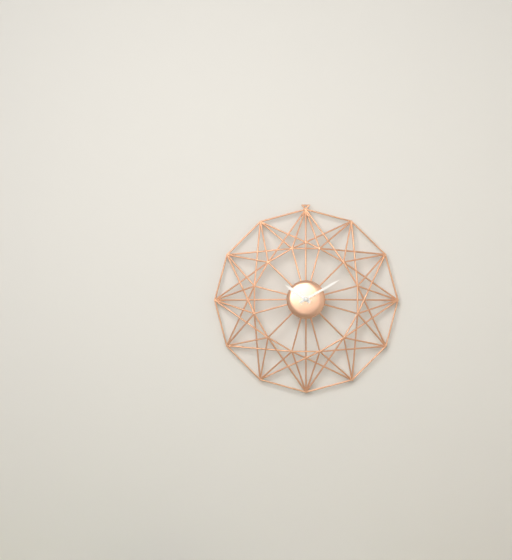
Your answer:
10 h 10 min
